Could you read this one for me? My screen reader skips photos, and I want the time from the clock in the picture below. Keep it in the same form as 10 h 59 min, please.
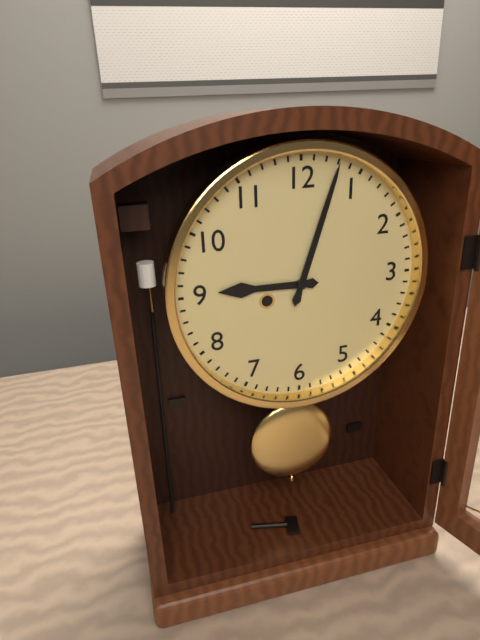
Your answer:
9 h 03 min
